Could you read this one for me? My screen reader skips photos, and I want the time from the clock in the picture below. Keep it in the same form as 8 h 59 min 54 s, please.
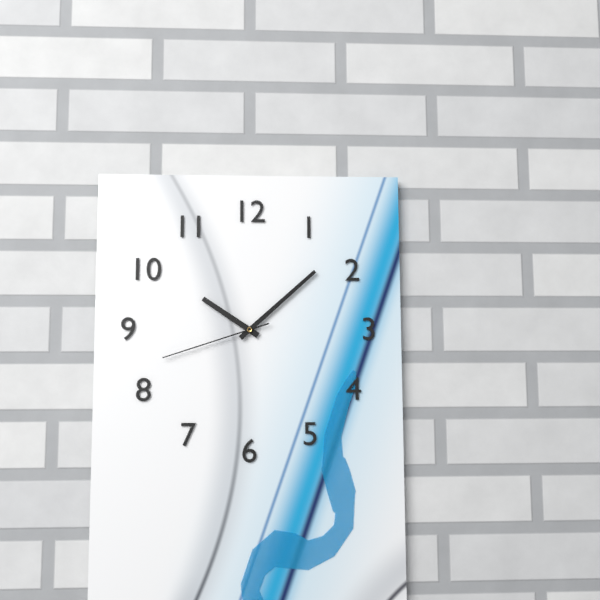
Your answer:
10 h 08 min 42 s
